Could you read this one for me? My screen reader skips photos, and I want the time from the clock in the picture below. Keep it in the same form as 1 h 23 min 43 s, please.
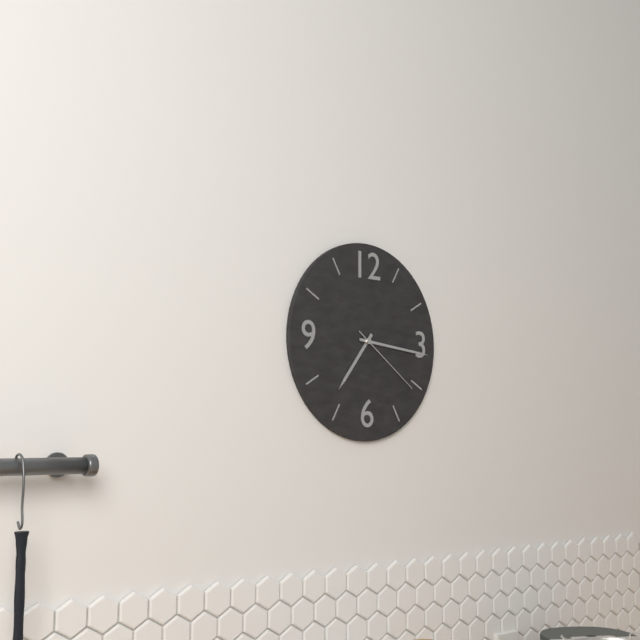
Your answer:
7 h 16 min 21 s
